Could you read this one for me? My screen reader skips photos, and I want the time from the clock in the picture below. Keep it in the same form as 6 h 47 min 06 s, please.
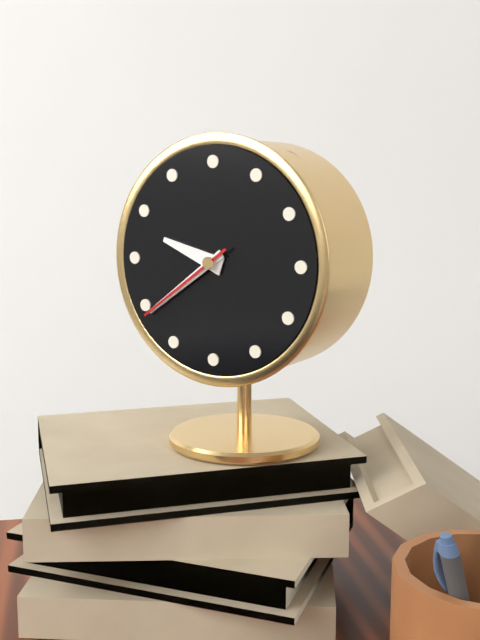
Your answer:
9 h 39 min 39 s
